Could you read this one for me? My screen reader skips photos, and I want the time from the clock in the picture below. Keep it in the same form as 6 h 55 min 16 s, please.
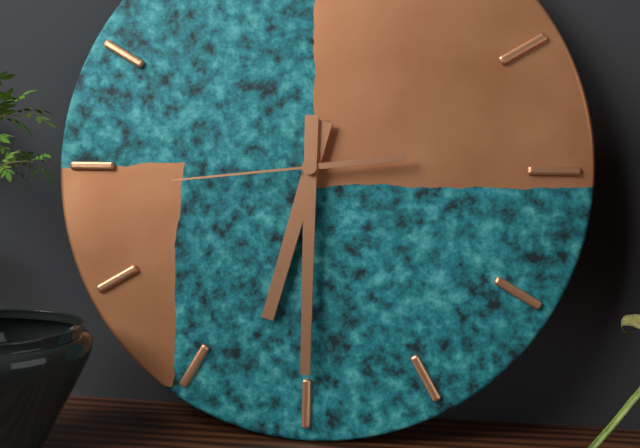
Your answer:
6 h 30 min 44 s
